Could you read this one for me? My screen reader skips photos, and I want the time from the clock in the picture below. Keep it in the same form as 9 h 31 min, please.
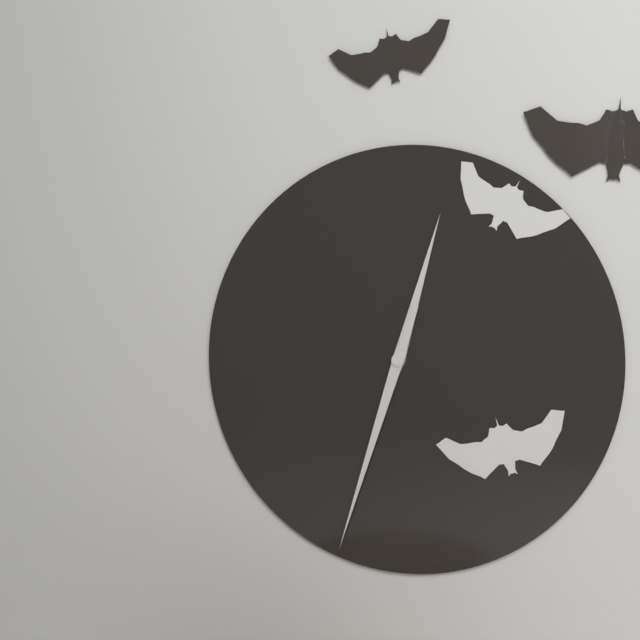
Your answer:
12 h 33 min
